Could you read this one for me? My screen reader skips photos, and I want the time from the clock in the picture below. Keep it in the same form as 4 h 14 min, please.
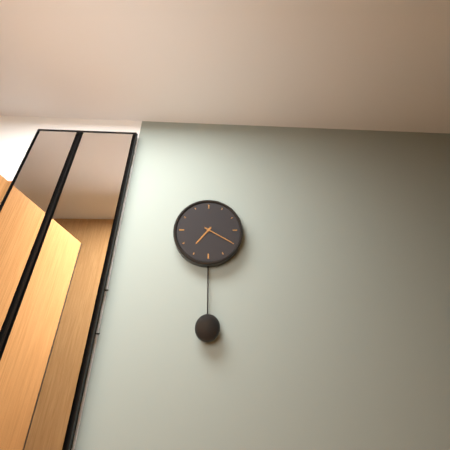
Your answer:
7 h 20 min
